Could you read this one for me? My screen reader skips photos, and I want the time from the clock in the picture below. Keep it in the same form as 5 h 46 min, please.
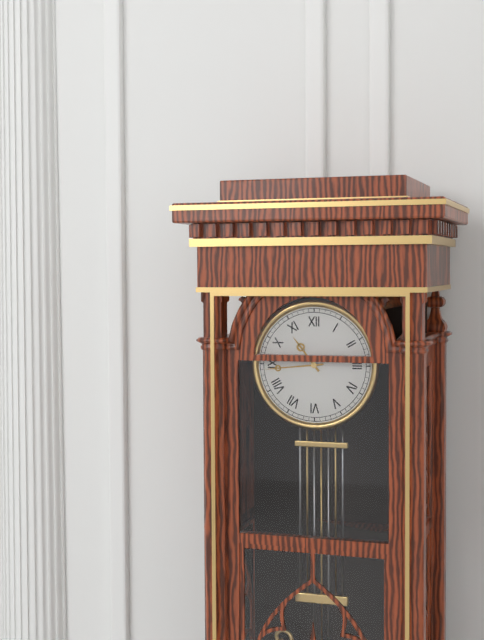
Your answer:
10 h 44 min
